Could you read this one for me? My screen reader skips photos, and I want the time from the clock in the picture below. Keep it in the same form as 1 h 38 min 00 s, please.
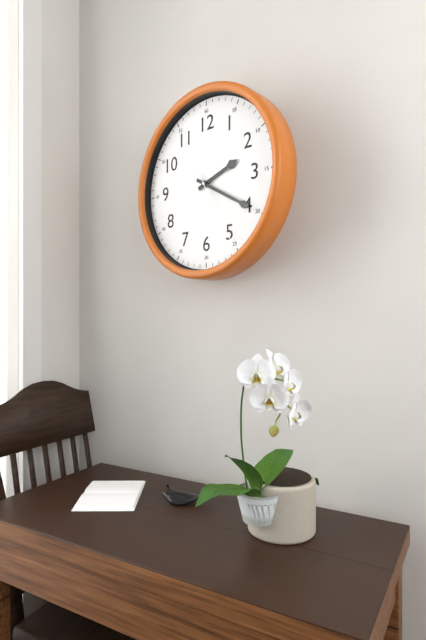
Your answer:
2 h 20 min 25 s
